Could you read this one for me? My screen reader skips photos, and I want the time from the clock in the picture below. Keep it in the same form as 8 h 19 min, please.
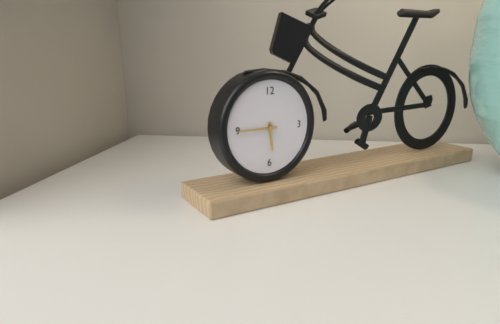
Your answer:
5 h 45 min
